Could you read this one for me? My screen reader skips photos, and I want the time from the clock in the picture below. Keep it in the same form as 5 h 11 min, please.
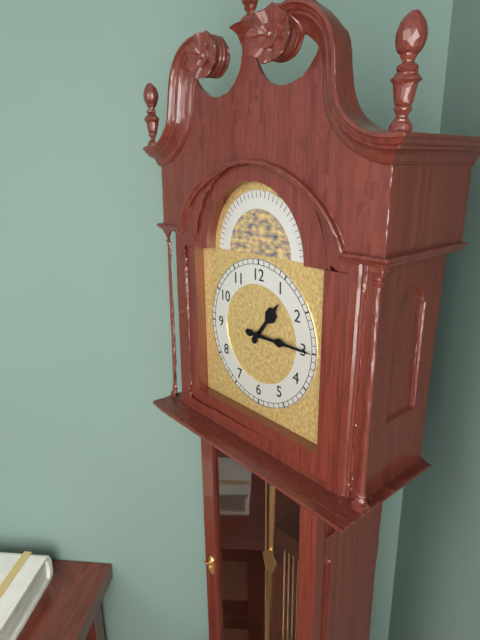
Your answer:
1 h 15 min
